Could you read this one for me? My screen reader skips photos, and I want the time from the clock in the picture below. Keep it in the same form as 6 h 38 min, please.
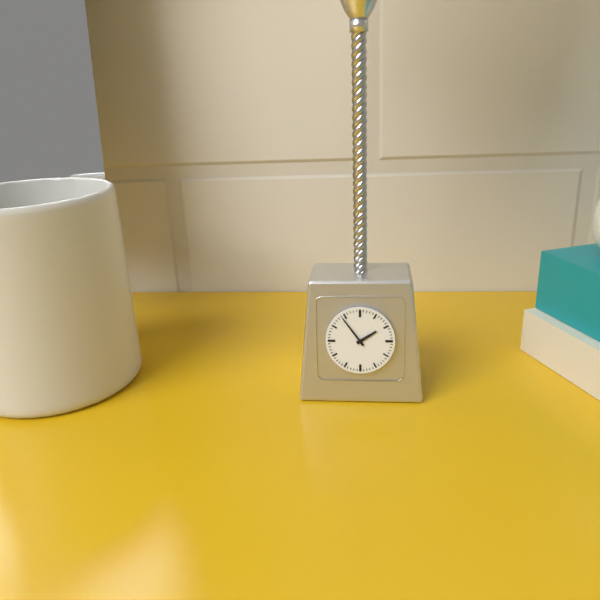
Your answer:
1 h 54 min
